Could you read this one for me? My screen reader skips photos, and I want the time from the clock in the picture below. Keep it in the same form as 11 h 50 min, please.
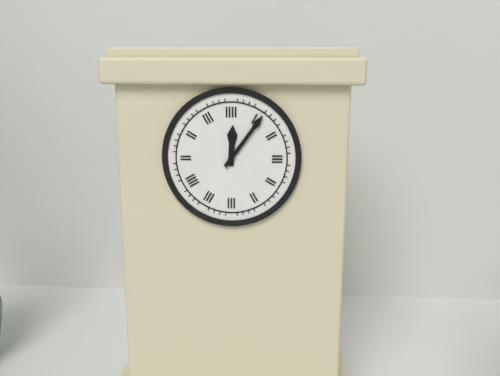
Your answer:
12 h 06 min
